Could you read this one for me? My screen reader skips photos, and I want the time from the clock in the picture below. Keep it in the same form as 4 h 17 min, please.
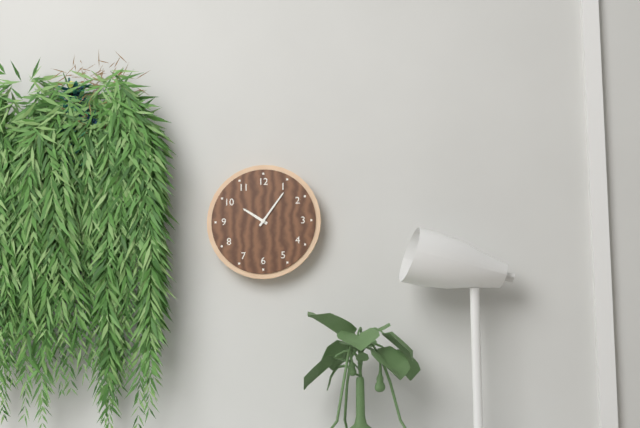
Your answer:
10 h 06 min
